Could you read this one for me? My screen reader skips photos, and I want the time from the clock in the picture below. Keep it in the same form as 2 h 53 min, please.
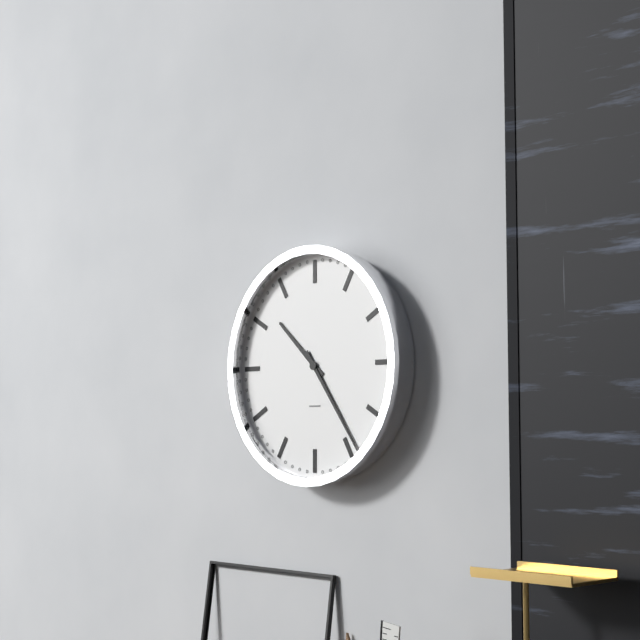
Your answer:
10 h 24 min
